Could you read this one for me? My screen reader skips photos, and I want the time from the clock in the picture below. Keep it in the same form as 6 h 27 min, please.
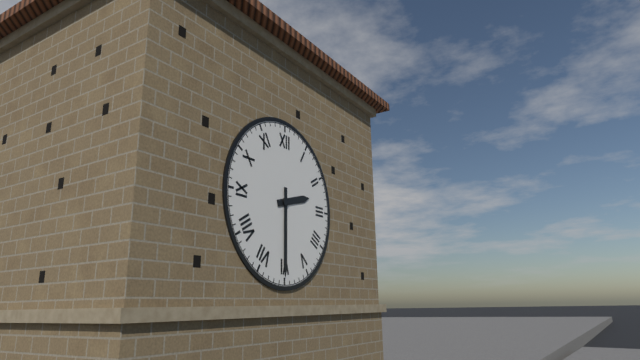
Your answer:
2 h 30 min
